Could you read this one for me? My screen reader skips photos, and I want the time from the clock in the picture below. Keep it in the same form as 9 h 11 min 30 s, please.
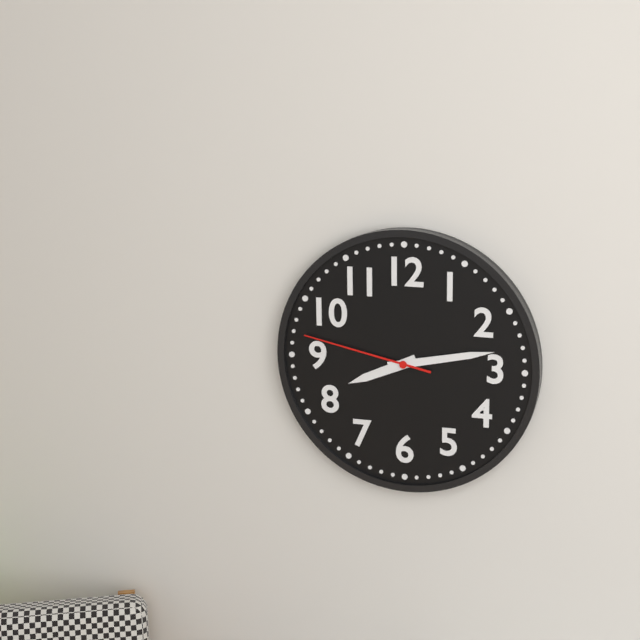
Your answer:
8 h 13 min 47 s
